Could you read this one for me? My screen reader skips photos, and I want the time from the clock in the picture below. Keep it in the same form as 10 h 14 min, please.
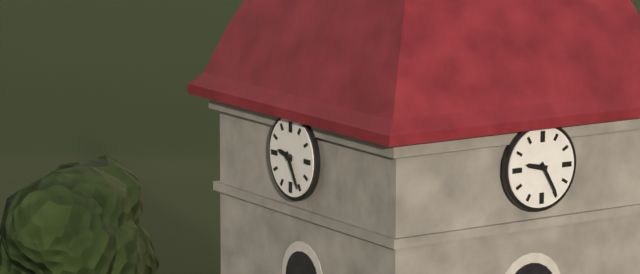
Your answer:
9 h 25 min
